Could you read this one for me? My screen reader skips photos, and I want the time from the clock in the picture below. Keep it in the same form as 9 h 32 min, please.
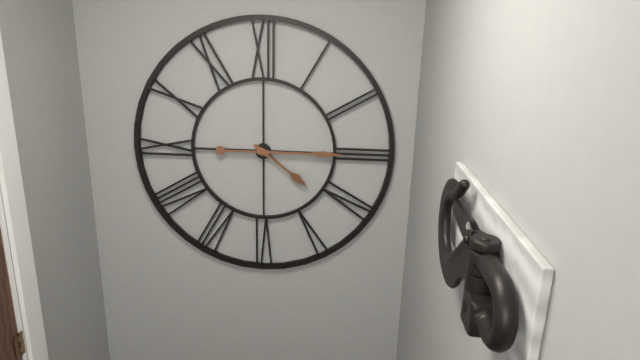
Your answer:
4 h 15 min
